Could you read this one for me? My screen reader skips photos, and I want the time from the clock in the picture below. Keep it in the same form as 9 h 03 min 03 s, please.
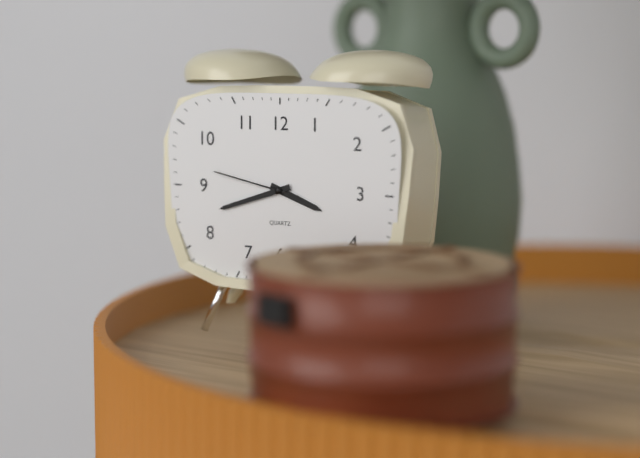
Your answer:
3 h 42 min 47 s
